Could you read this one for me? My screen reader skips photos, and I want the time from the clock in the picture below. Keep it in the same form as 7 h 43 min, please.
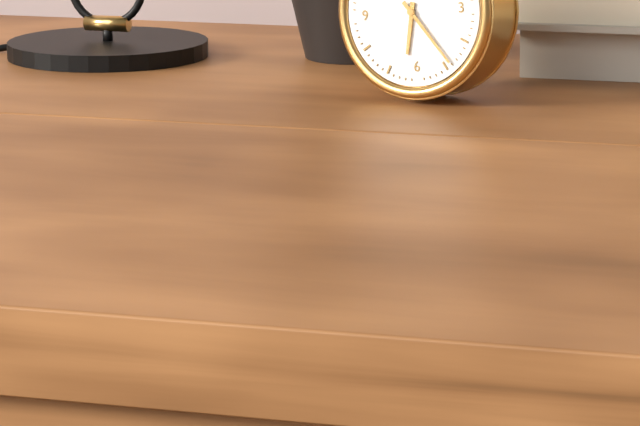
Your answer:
6 h 24 min
